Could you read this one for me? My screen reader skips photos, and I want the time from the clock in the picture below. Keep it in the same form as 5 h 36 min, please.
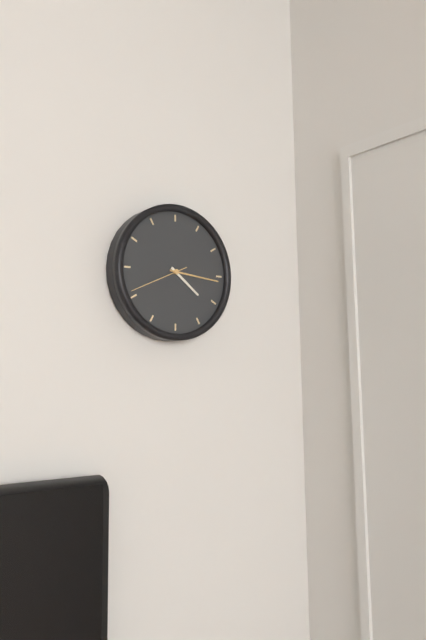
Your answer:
4 h 16 min
